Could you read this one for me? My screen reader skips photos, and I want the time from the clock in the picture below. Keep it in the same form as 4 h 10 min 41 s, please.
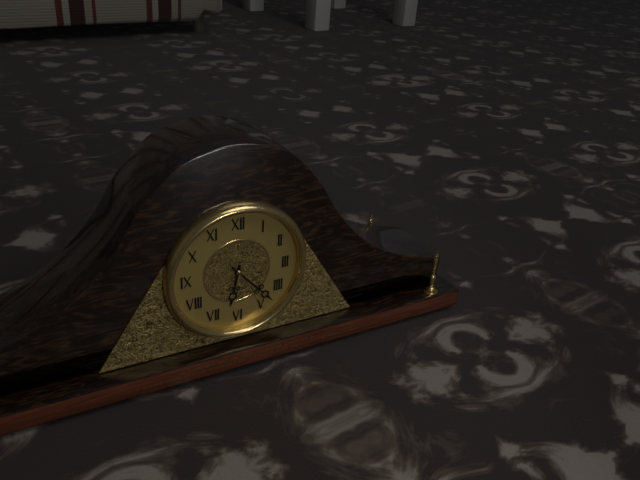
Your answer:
6 h 23 min 25 s
